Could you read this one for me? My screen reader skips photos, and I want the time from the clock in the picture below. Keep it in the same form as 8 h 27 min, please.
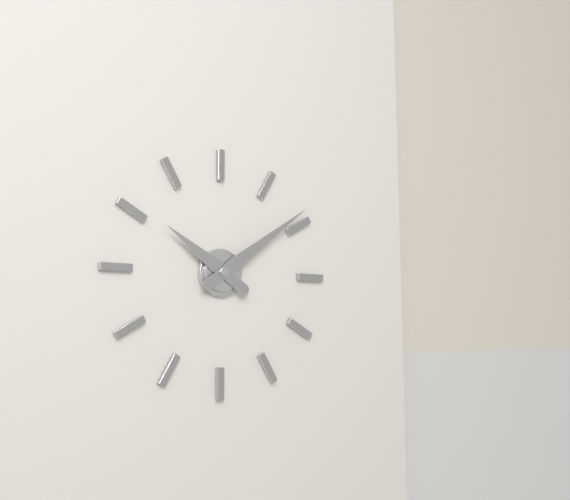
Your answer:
10 h 09 min
